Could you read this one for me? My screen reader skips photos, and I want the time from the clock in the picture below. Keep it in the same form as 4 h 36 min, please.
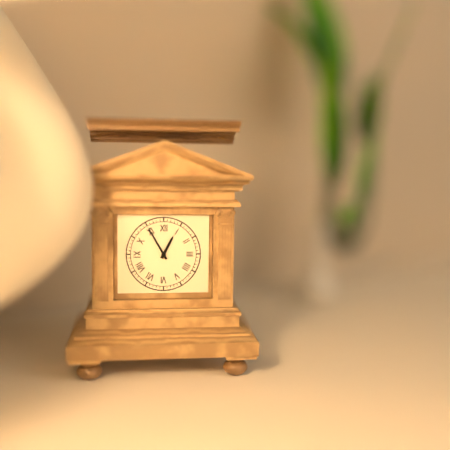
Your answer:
12 h 55 min
